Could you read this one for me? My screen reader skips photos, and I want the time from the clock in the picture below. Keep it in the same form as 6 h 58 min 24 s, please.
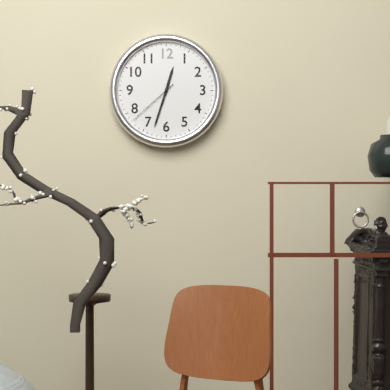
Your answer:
12 h 33 min 38 s
